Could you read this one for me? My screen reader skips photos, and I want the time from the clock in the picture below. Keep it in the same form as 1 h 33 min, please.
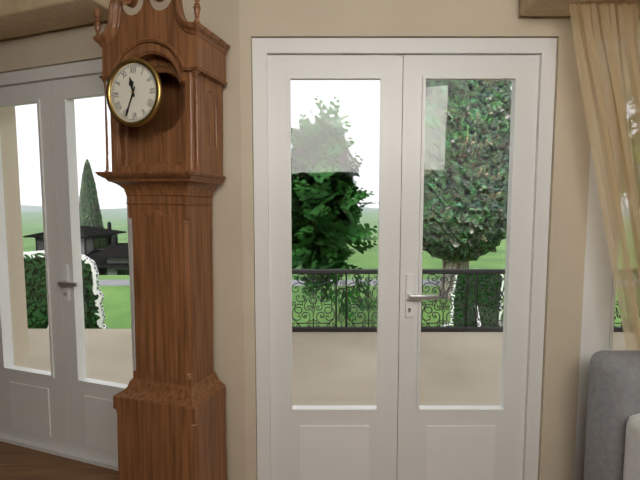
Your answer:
11 h 34 min
